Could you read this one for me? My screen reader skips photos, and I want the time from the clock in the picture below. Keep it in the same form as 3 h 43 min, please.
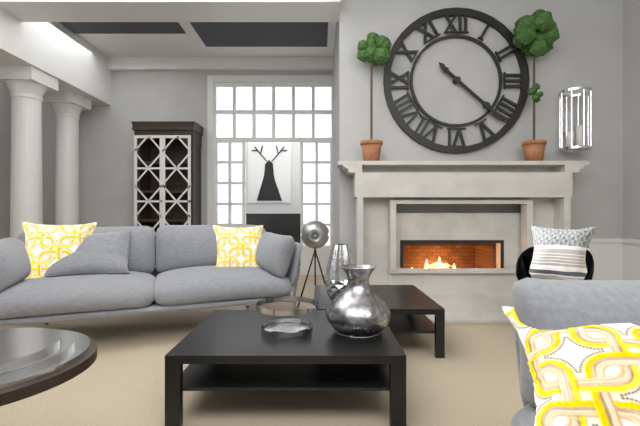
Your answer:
4 h 22 min
